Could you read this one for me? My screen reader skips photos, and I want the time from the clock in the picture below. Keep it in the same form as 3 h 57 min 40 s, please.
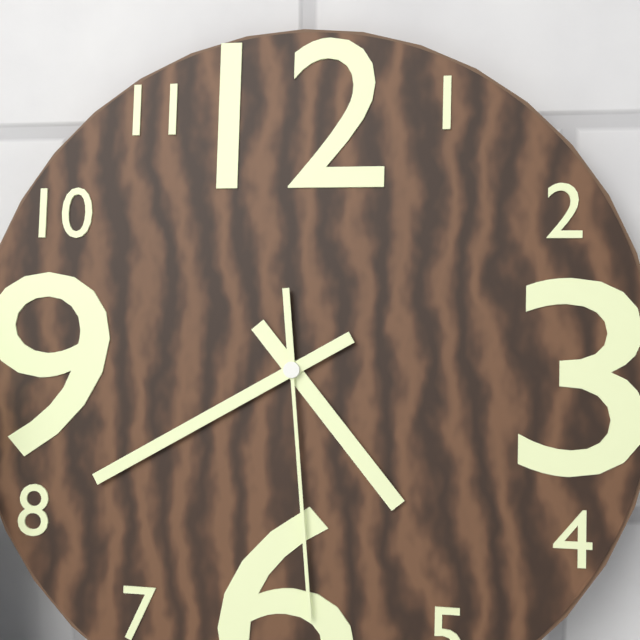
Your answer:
4 h 40 min 29 s
